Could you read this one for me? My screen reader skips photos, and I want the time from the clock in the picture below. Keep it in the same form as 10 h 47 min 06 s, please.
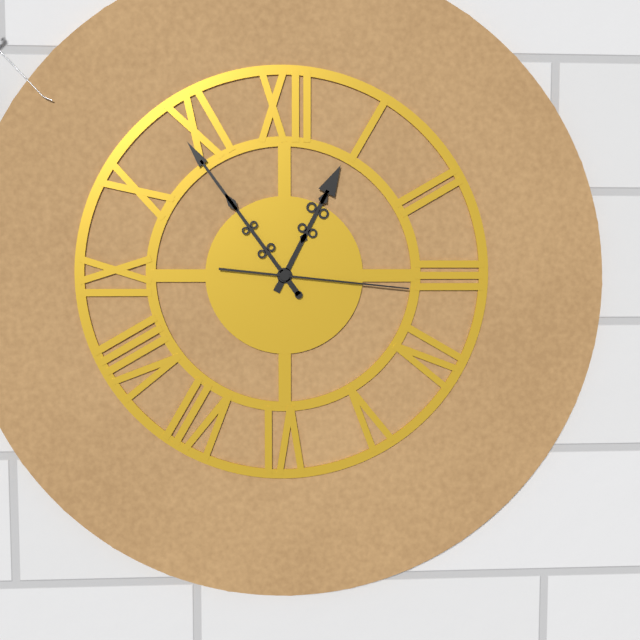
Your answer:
12 h 54 min 16 s
